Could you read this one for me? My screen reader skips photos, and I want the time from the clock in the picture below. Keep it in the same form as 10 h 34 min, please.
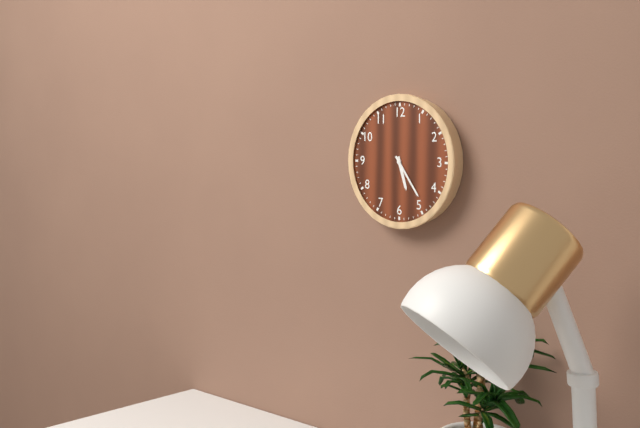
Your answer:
5 h 24 min
